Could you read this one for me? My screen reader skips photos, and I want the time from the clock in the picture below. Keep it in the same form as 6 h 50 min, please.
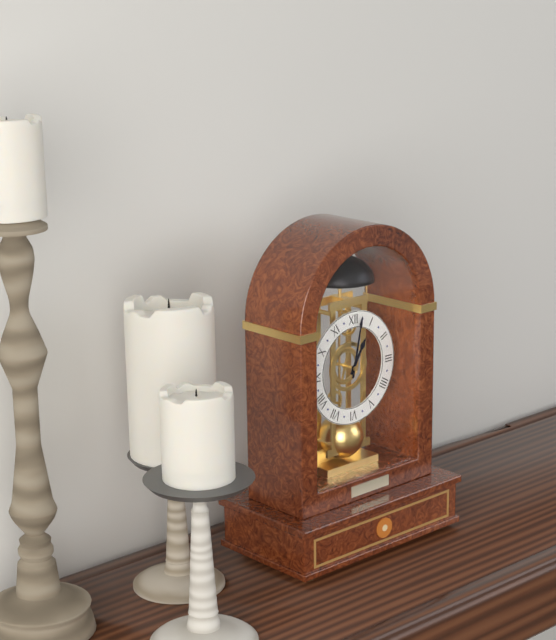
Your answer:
1 h 02 min
